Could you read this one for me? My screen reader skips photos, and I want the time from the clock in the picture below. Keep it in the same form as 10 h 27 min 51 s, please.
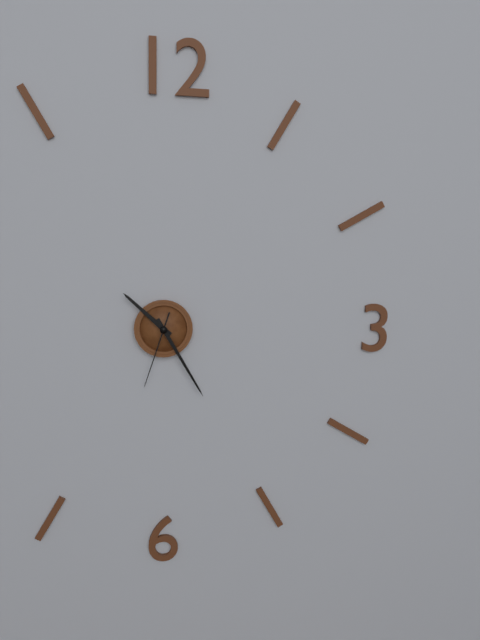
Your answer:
10 h 25 min 33 s
